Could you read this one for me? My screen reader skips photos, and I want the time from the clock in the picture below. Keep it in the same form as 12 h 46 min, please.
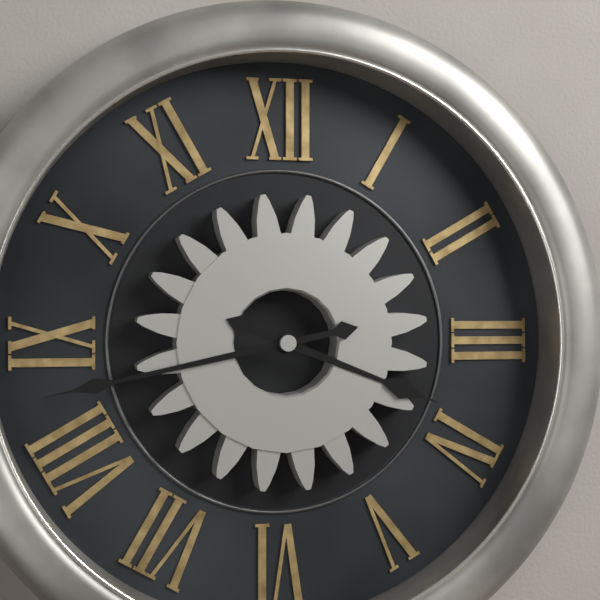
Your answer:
3 h 43 min
